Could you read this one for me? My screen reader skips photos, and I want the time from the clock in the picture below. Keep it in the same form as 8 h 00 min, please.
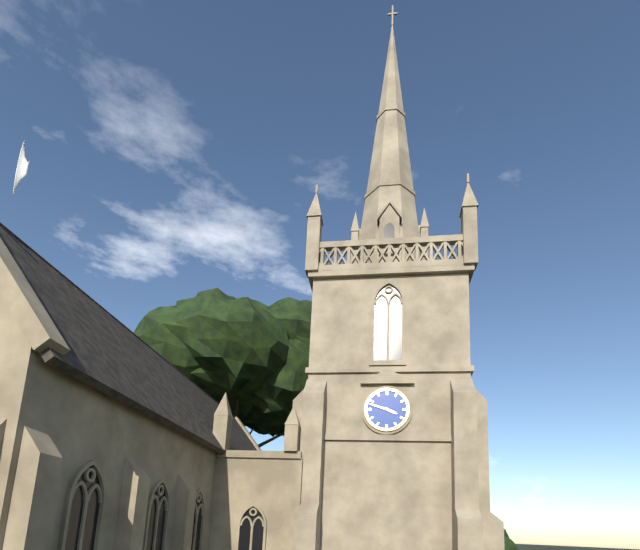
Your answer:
3 h 48 min
